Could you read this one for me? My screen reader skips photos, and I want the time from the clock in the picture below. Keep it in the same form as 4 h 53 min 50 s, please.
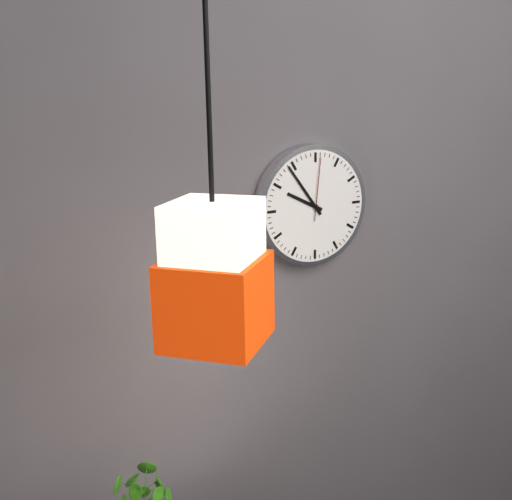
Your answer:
9 h 54 min 01 s
